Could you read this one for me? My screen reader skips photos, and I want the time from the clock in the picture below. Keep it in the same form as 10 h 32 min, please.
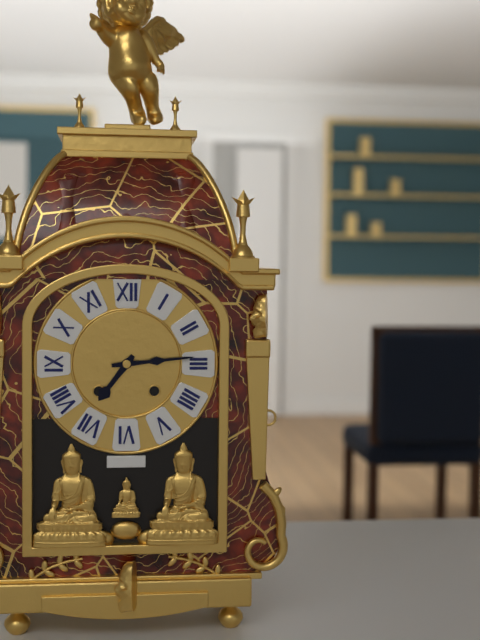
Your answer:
7 h 14 min
